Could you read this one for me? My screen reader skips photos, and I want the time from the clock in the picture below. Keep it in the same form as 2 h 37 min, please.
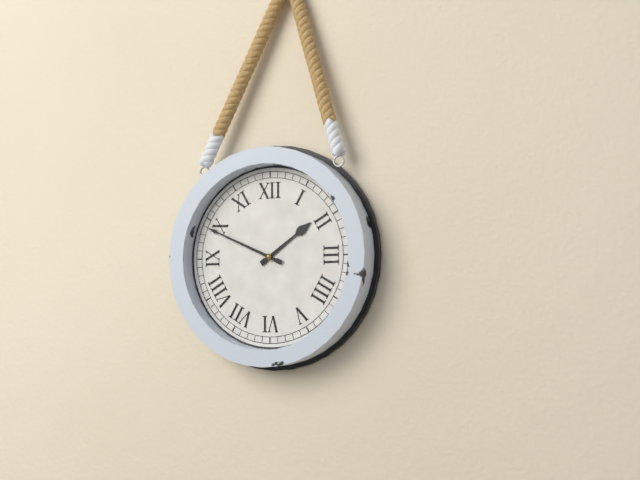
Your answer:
1 h 49 min
